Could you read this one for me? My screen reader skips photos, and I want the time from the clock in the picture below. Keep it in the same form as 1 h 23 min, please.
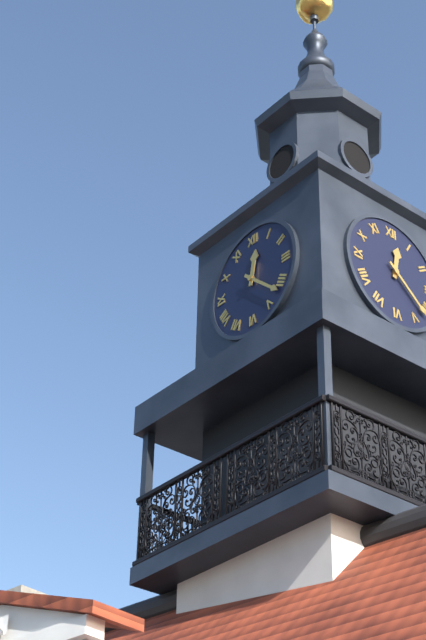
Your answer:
12 h 22 min
